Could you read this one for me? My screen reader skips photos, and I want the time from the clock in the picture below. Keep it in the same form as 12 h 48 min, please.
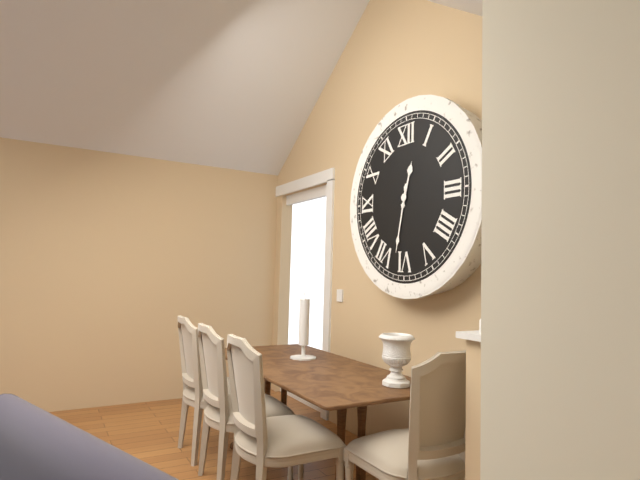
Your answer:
12 h 32 min
